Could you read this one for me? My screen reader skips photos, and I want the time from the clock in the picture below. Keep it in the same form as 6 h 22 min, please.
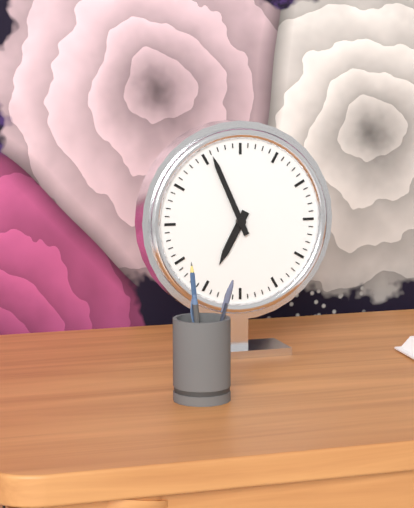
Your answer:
6 h 56 min
